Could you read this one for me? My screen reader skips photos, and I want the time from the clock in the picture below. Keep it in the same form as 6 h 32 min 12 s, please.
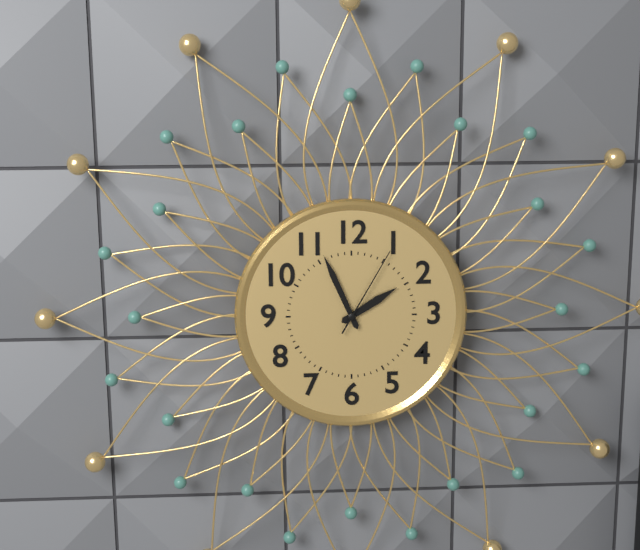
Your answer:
1 h 56 min 05 s
